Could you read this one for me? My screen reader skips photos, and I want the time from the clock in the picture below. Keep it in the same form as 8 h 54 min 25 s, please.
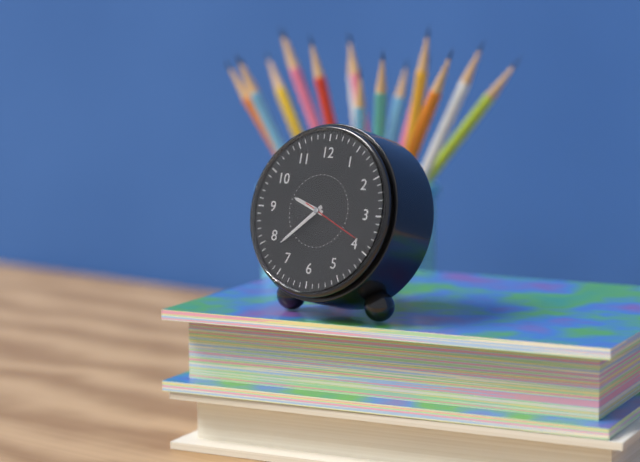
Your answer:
9 h 38 min 19 s
